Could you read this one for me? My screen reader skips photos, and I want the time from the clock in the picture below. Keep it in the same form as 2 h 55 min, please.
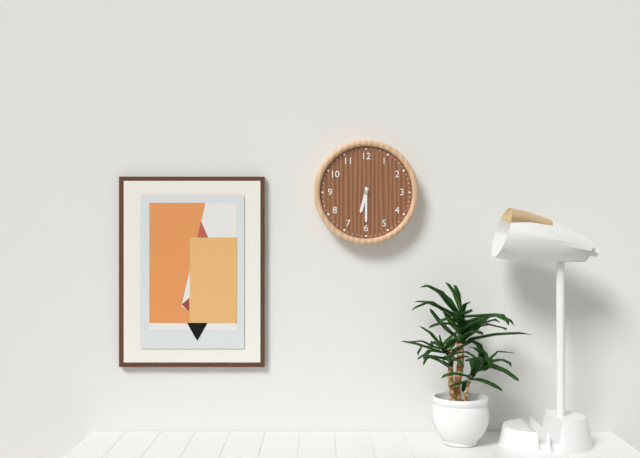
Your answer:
6 h 30 min
